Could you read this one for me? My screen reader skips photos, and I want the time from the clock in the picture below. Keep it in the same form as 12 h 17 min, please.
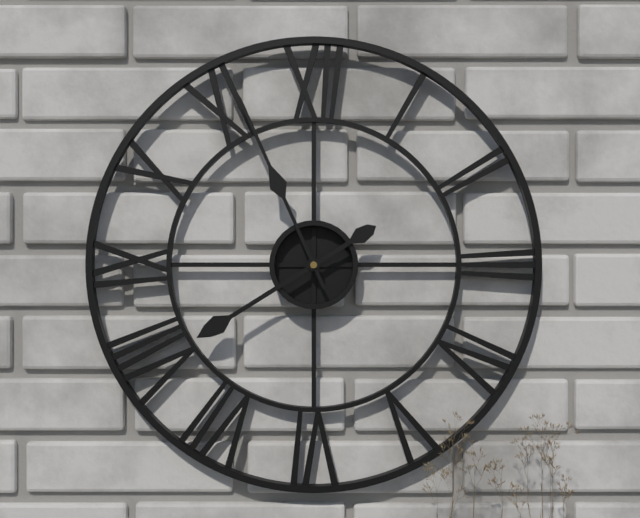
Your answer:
7 h 56 min
